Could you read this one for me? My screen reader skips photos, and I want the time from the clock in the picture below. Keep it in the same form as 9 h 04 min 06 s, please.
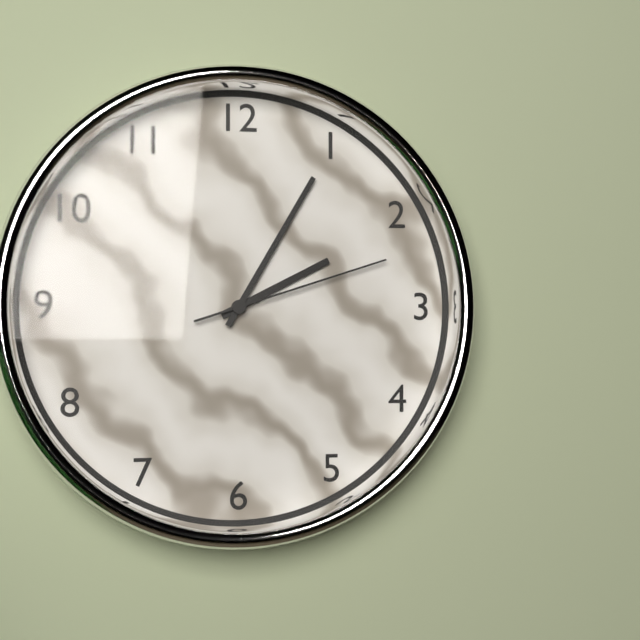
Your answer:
2 h 05 min 12 s
